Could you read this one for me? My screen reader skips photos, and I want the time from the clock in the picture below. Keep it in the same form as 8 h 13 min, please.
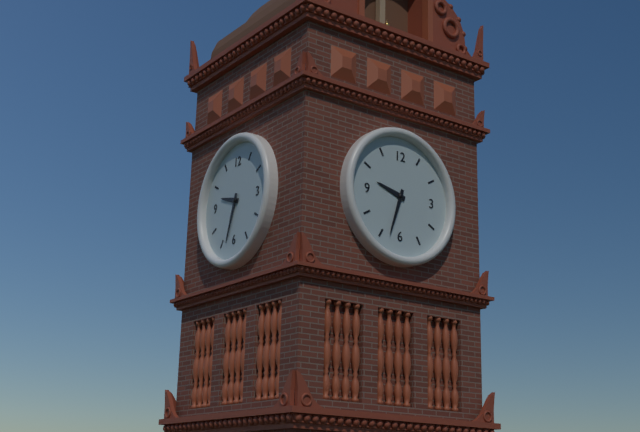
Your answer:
9 h 33 min
